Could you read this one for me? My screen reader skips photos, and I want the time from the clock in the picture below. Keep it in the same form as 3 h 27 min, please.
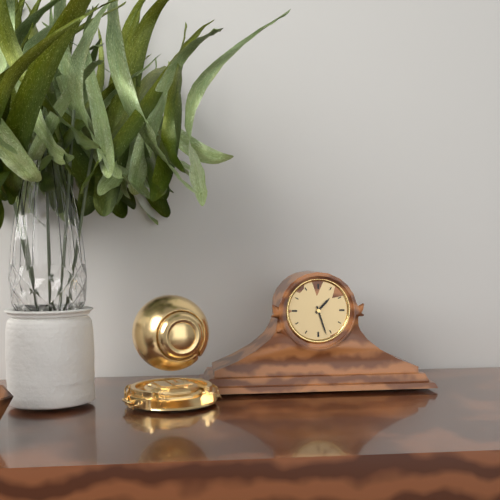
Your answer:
1 h 27 min
